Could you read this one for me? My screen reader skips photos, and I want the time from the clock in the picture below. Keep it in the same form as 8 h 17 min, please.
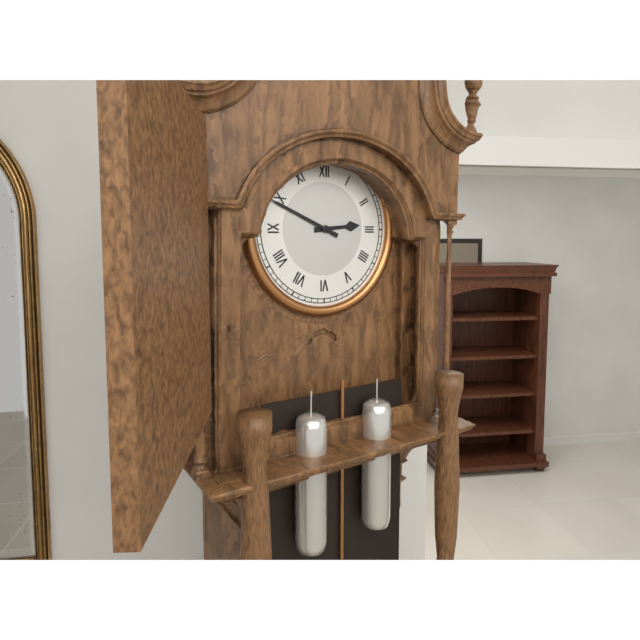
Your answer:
2 h 49 min
